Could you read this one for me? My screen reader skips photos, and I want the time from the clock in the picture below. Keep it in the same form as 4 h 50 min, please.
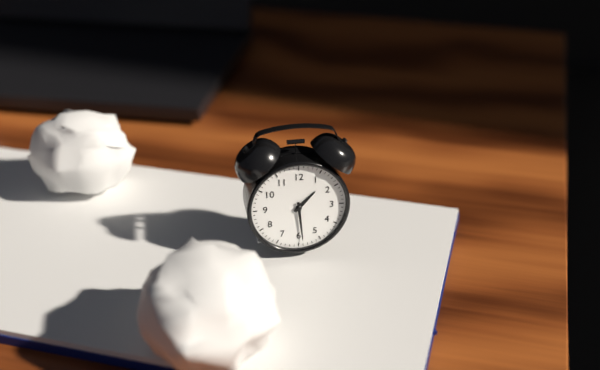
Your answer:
1 h 29 min
